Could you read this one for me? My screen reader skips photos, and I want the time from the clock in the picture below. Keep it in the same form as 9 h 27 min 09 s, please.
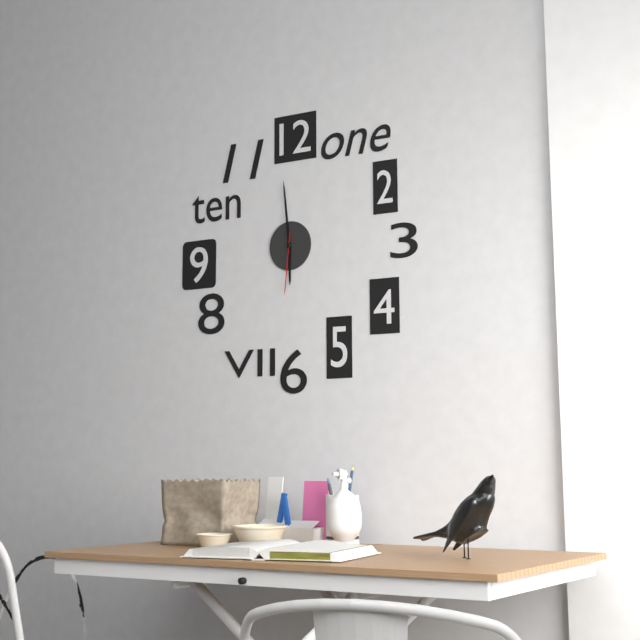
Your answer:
5 h 59 min 31 s
